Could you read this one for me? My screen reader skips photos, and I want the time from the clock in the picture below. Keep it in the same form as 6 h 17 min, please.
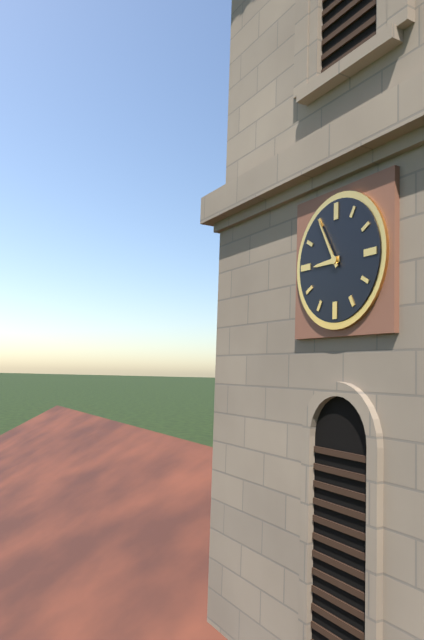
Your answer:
8 h 55 min
